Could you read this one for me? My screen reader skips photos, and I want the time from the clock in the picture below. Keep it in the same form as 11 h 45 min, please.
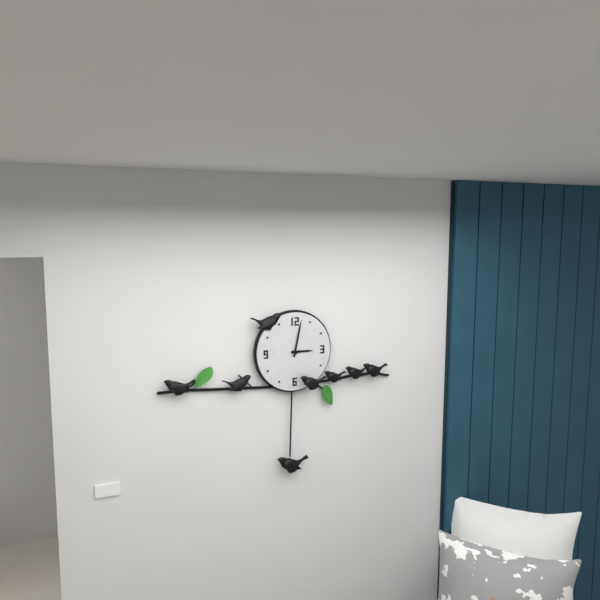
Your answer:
3 h 02 min
